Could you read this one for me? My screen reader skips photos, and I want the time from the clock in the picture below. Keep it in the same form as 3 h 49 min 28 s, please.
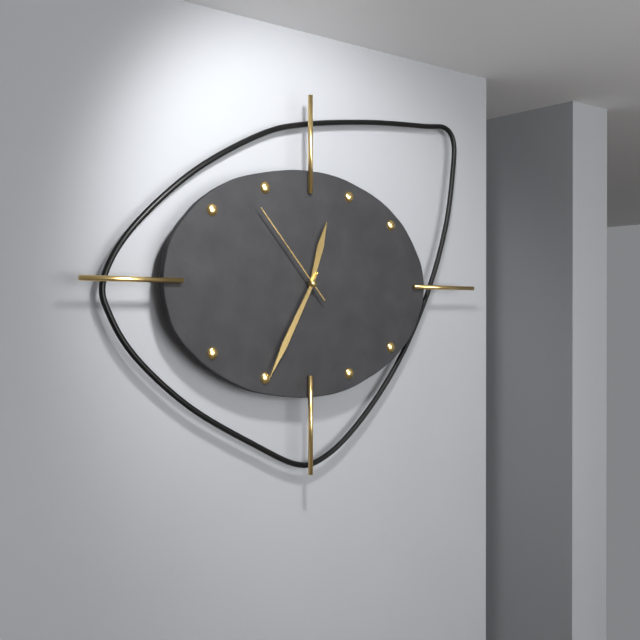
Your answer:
12 h 35 min 53 s
